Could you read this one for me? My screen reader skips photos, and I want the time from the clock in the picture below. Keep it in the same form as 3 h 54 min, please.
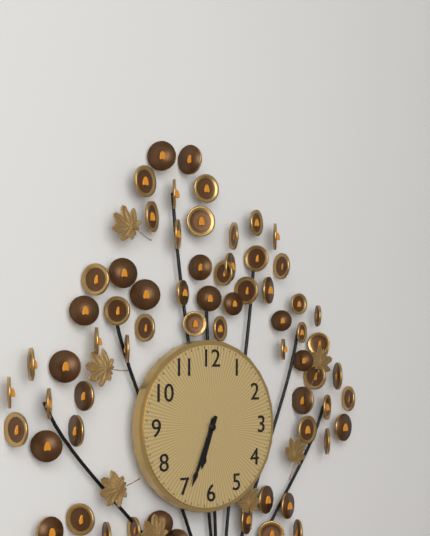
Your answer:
6 h 34 min
